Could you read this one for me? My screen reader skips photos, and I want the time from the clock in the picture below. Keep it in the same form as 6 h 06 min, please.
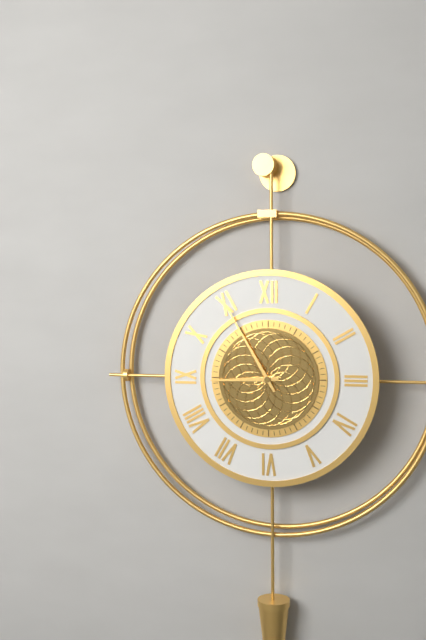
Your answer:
8 h 55 min
